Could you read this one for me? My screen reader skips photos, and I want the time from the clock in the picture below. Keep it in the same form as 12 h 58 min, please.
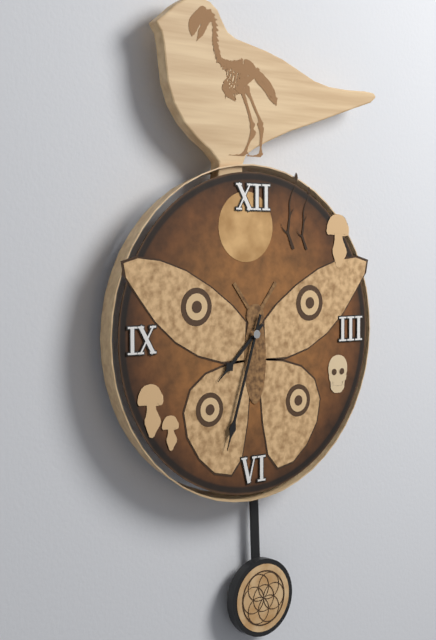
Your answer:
7 h 33 min
